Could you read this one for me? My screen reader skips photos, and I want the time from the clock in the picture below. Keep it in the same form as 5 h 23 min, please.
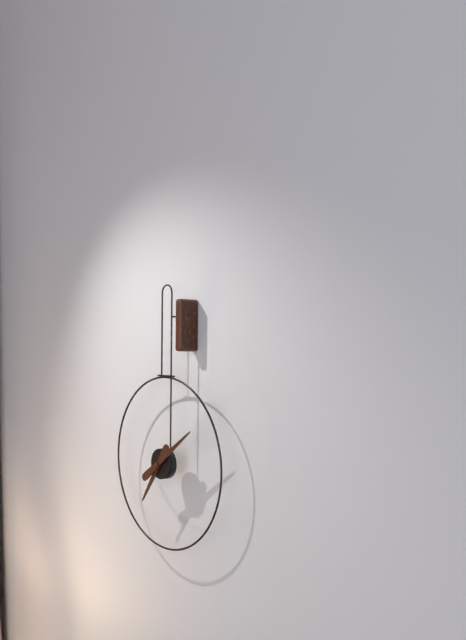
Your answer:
7 h 09 min
